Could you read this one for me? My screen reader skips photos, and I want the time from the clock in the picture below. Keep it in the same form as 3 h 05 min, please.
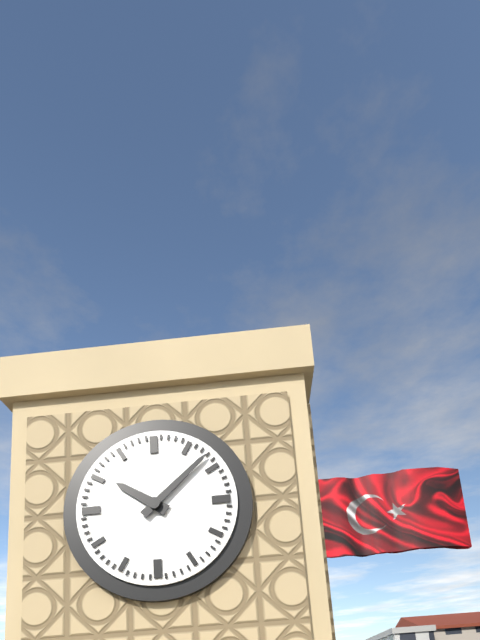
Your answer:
10 h 08 min
